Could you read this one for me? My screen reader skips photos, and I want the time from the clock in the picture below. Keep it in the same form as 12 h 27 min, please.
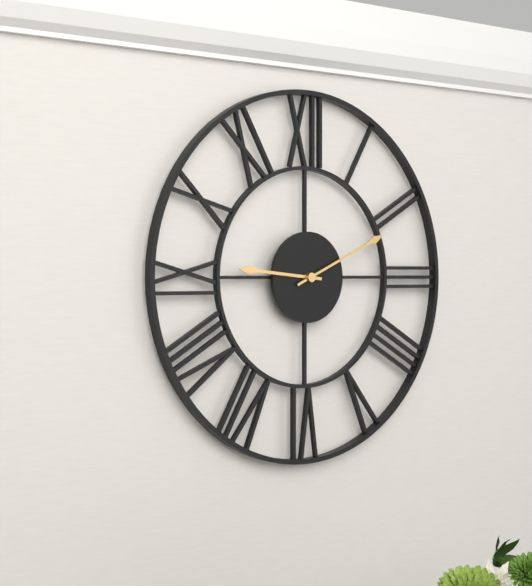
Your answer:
9 h 11 min
